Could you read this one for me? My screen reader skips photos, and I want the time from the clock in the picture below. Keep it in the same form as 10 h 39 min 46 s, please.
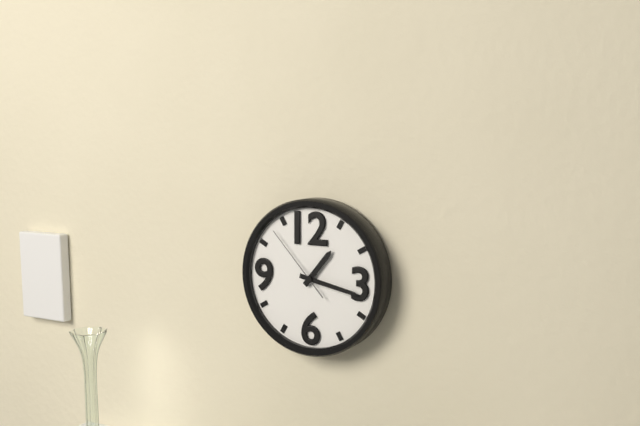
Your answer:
1 h 17 min 53 s
